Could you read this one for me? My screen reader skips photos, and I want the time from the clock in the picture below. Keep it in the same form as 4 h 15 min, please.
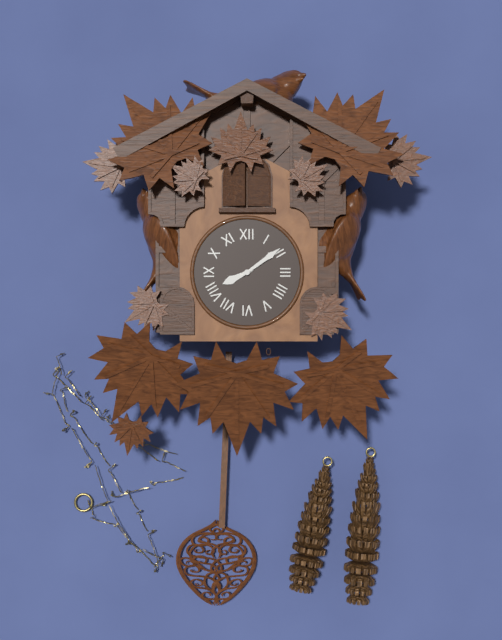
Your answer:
8 h 09 min
